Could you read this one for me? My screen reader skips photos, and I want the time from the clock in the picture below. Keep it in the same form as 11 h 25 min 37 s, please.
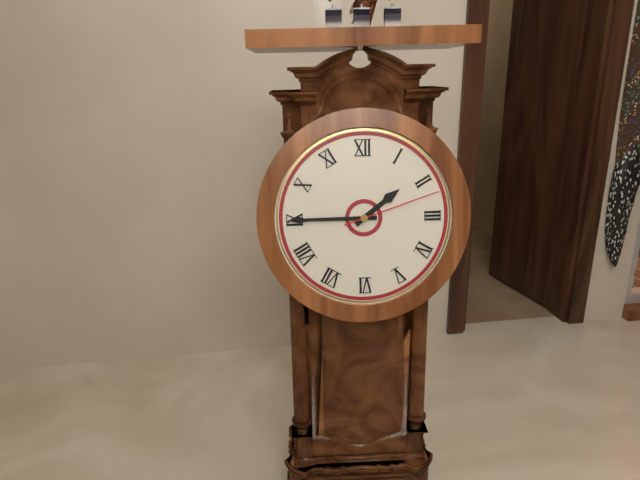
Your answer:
1 h 45 min 12 s
